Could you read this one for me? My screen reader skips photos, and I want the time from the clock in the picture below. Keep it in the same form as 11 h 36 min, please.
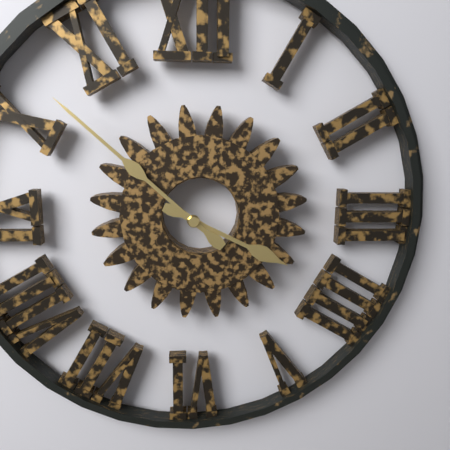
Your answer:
3 h 52 min
